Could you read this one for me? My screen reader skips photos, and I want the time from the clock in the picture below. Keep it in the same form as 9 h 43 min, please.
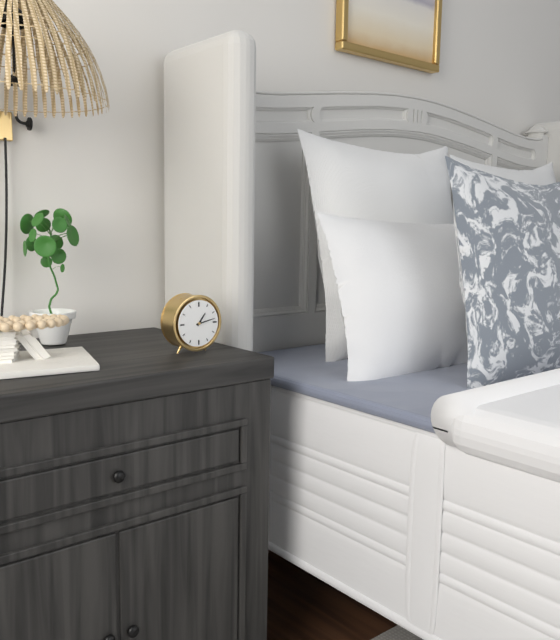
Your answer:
1 h 13 min
